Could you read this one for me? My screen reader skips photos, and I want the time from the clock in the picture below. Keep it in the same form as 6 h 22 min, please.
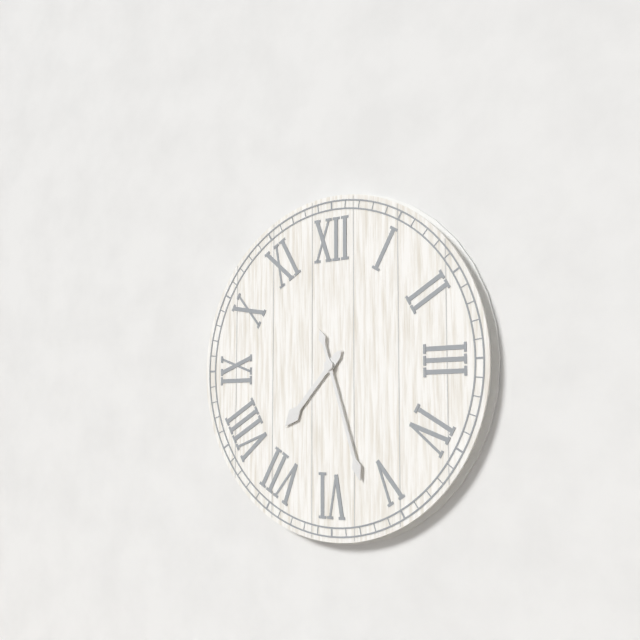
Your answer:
7 h 27 min
